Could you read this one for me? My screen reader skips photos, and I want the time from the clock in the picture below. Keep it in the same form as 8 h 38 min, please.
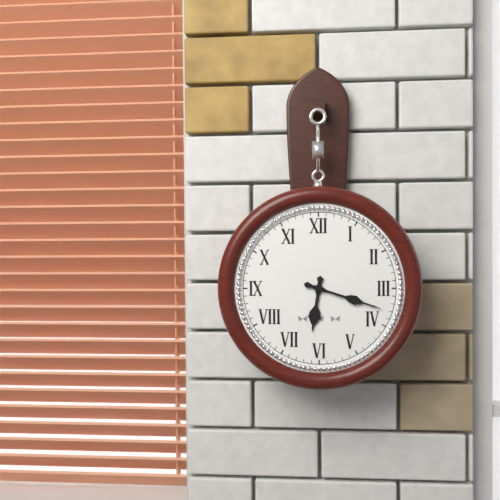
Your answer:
6 h 18 min
